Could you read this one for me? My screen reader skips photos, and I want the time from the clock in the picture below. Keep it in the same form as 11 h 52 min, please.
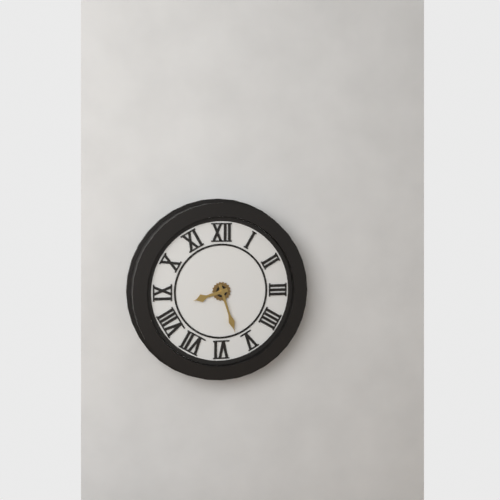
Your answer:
8 h 27 min
